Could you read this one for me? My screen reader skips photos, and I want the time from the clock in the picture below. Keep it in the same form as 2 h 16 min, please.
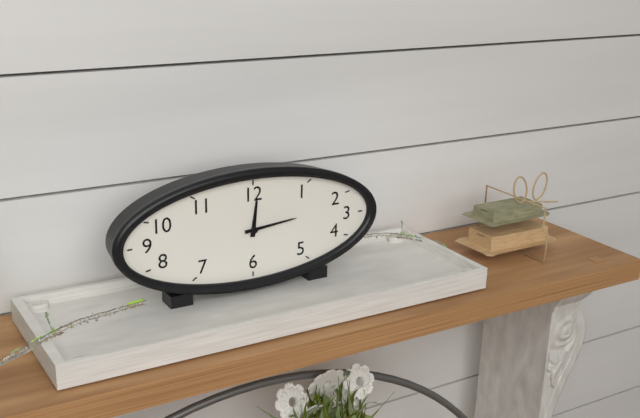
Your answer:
12 h 14 min
